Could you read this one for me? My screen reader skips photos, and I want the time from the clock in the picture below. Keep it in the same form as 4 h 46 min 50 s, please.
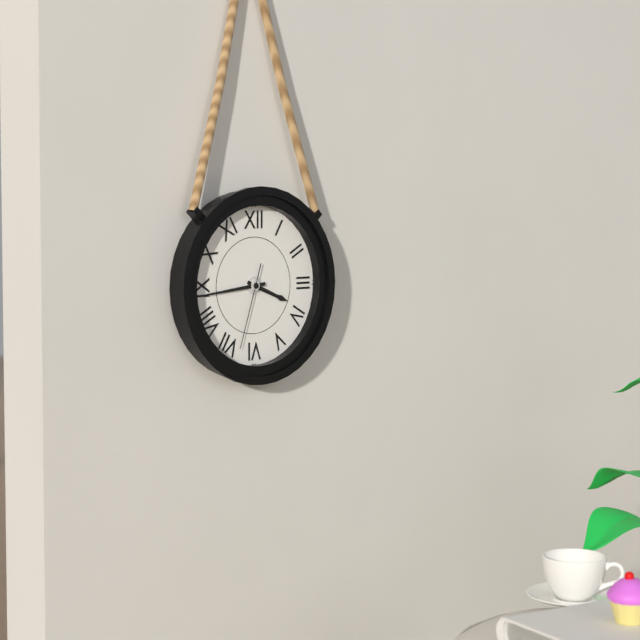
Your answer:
3 h 44 min 33 s
